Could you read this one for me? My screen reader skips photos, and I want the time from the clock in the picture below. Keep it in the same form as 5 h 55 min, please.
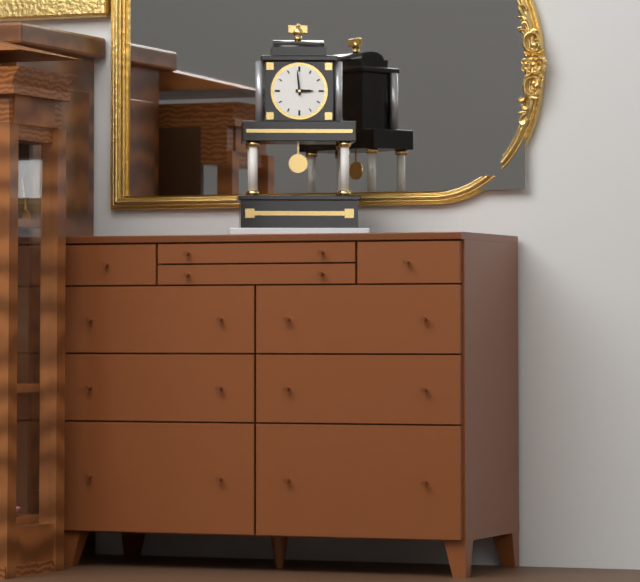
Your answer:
2 h 59 min
